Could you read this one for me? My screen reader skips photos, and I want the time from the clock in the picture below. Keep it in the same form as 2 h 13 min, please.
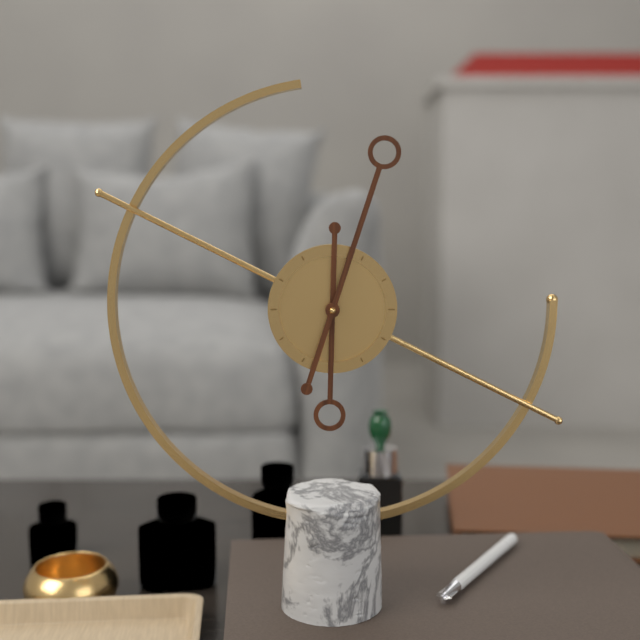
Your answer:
6 h 03 min
